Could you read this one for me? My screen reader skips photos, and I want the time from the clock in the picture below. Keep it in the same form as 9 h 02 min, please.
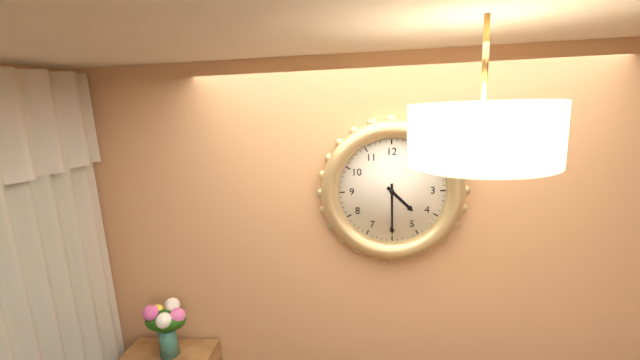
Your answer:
4 h 30 min
